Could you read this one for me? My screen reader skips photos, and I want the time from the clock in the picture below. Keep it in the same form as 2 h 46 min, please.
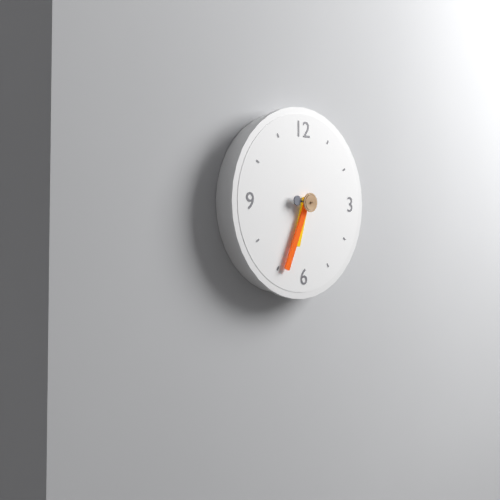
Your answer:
6 h 34 min
